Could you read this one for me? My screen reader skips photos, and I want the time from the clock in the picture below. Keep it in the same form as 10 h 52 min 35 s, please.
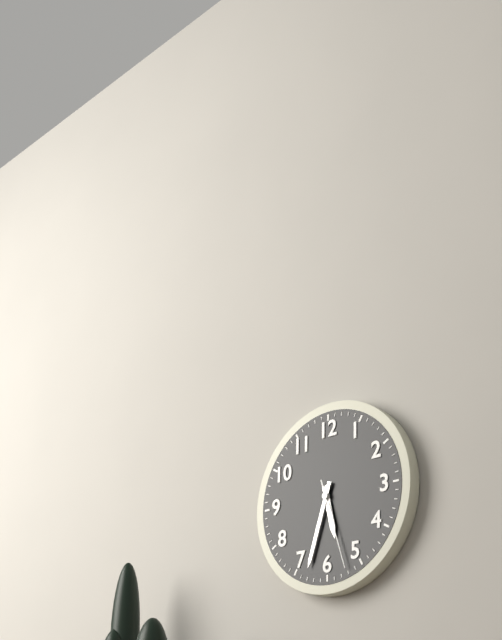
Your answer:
5 h 33 min 27 s
